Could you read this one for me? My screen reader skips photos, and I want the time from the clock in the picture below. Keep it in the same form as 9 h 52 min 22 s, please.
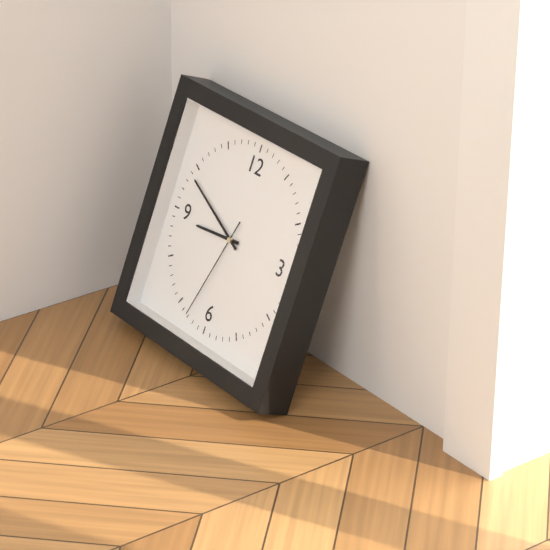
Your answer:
8 h 49 min 33 s
